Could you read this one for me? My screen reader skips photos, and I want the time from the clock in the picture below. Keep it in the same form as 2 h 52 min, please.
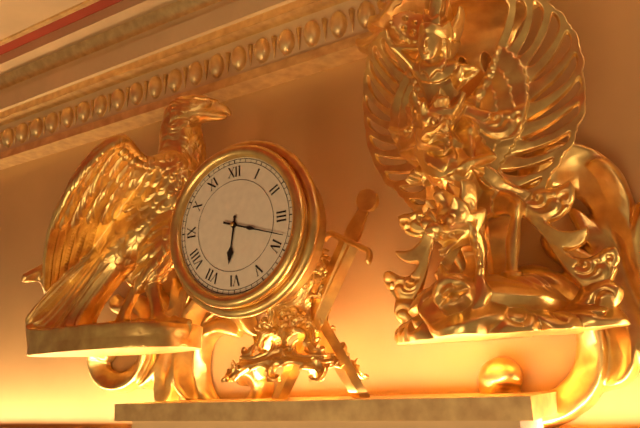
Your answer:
6 h 18 min
